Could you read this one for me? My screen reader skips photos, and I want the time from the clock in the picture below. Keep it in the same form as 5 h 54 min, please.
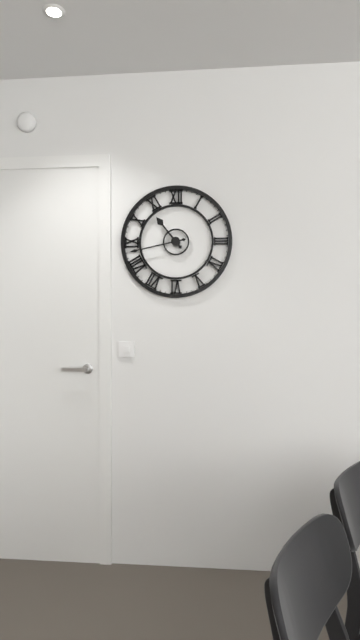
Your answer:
10 h 43 min
